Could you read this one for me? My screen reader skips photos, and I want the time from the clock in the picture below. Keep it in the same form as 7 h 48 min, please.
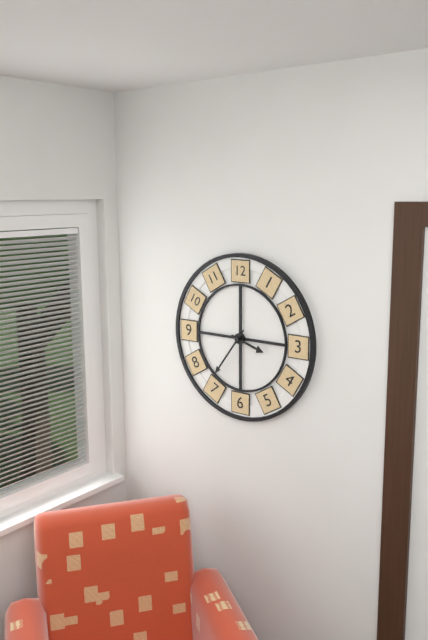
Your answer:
3 h 36 min
